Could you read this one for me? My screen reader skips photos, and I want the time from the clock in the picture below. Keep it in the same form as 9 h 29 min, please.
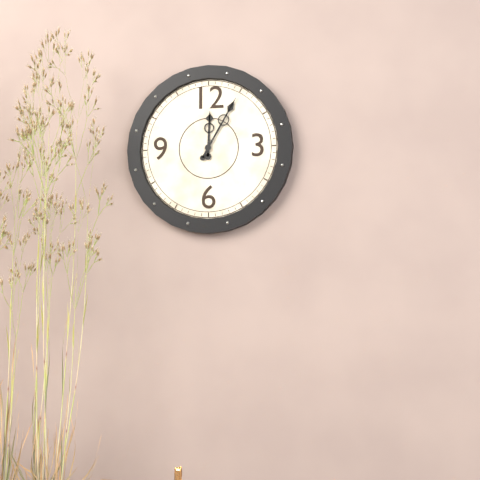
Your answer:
12 h 05 min
